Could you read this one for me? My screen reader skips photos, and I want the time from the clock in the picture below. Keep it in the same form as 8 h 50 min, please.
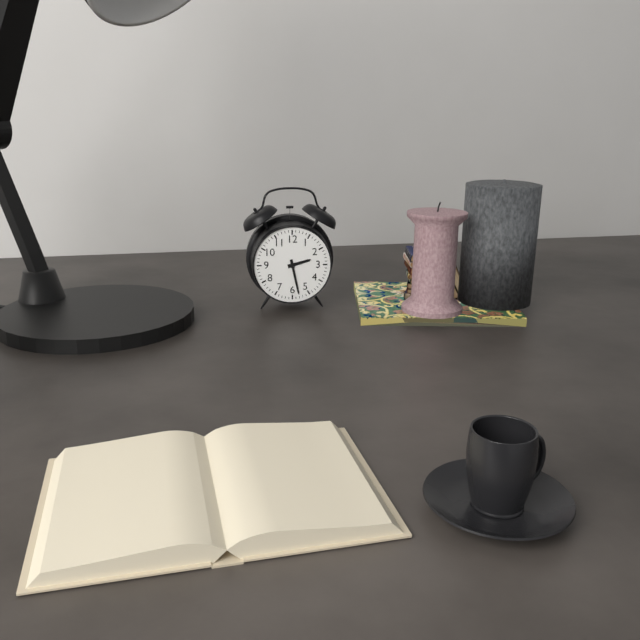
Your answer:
2 h 28 min
